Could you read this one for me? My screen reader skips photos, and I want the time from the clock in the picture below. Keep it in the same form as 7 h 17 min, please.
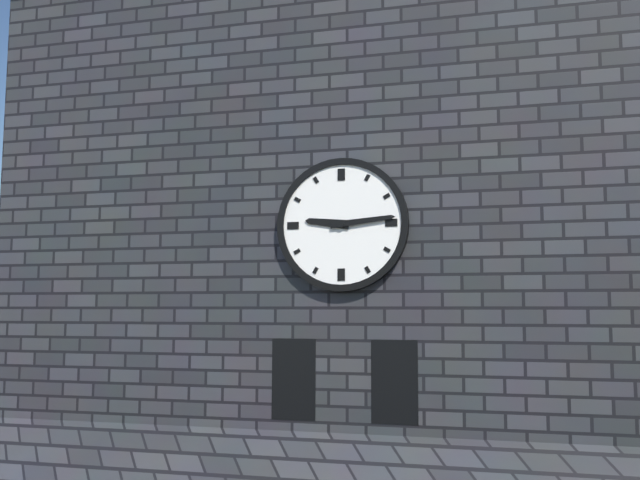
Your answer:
9 h 14 min
